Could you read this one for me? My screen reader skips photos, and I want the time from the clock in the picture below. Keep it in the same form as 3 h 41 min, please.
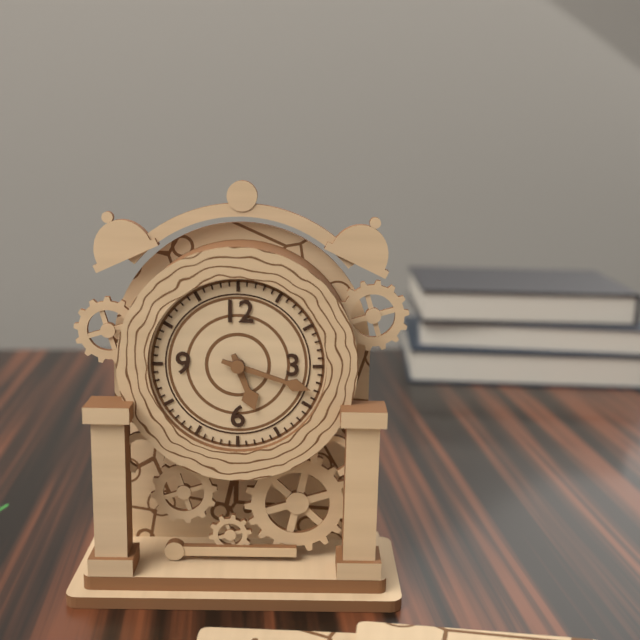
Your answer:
5 h 18 min
